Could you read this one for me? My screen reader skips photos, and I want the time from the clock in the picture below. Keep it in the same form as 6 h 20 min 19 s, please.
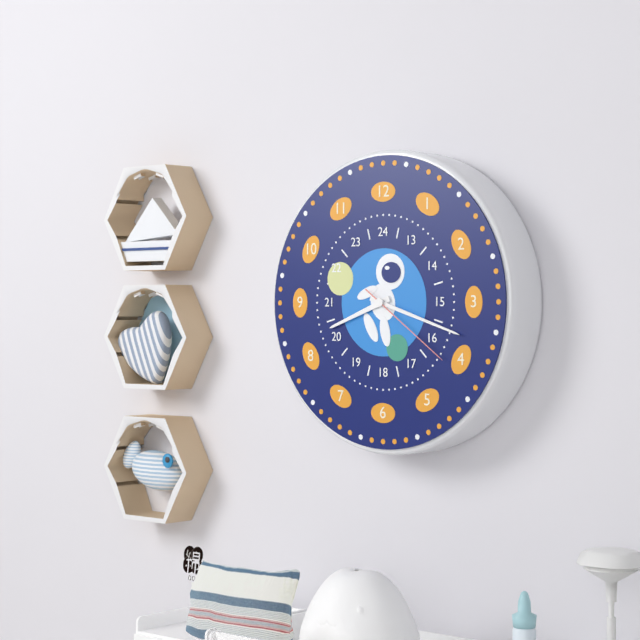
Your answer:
8 h 18 min 21 s
